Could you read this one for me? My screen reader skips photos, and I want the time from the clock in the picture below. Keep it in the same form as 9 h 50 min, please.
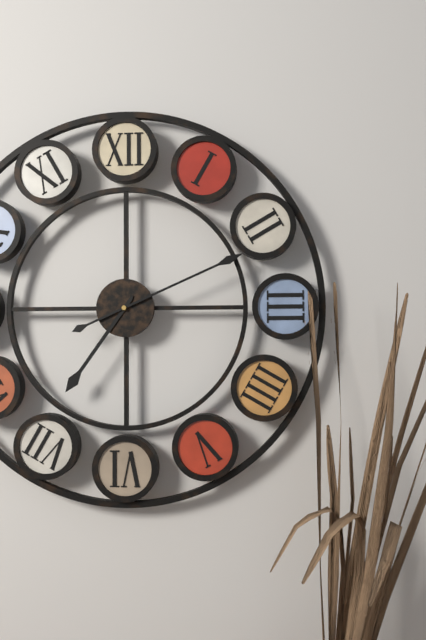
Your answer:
7 h 11 min
